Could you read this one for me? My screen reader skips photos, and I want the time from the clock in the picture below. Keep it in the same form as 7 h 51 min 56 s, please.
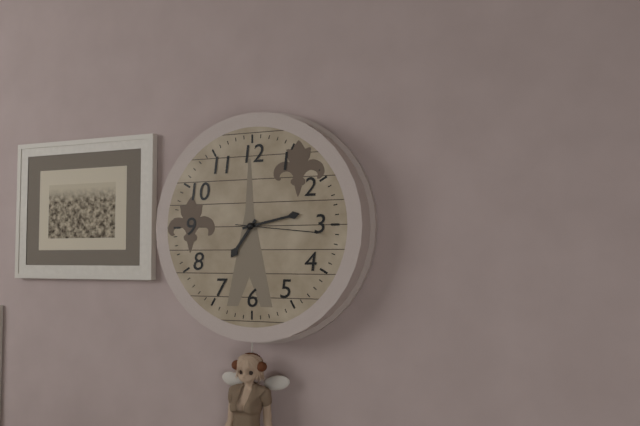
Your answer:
7 h 13 min 16 s
